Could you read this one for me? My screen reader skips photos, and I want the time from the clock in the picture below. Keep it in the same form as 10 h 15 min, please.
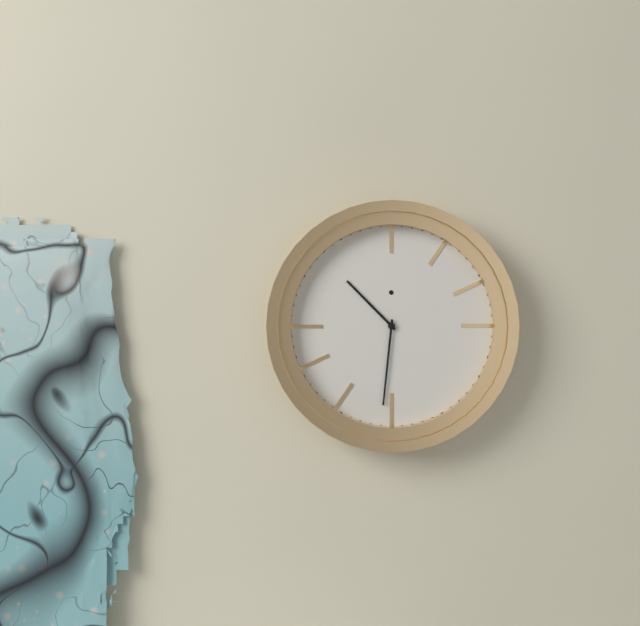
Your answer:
10 h 31 min
